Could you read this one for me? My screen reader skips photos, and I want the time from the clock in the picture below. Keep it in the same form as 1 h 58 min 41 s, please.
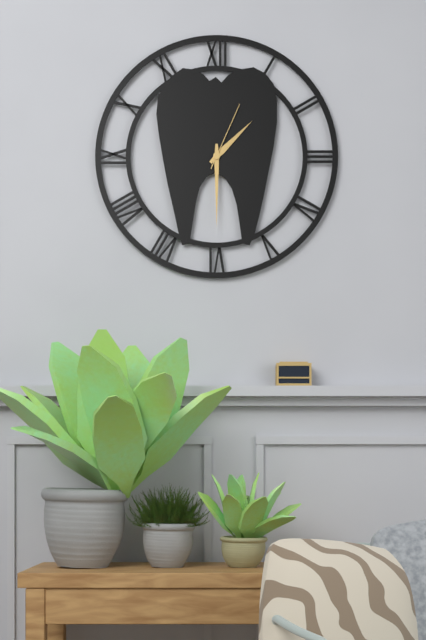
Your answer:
1 h 30 min 04 s
